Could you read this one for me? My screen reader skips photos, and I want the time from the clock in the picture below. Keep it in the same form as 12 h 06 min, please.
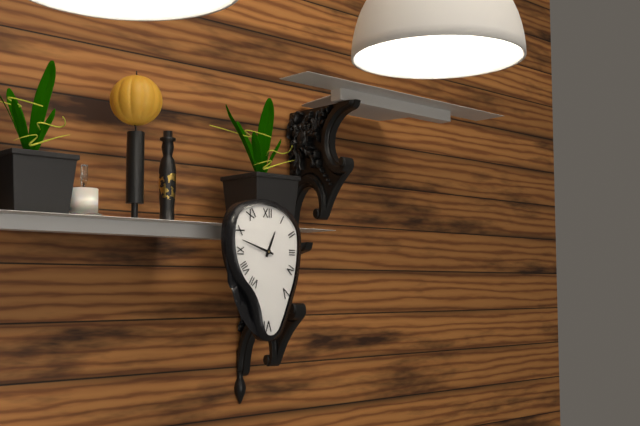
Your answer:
12 h 48 min
